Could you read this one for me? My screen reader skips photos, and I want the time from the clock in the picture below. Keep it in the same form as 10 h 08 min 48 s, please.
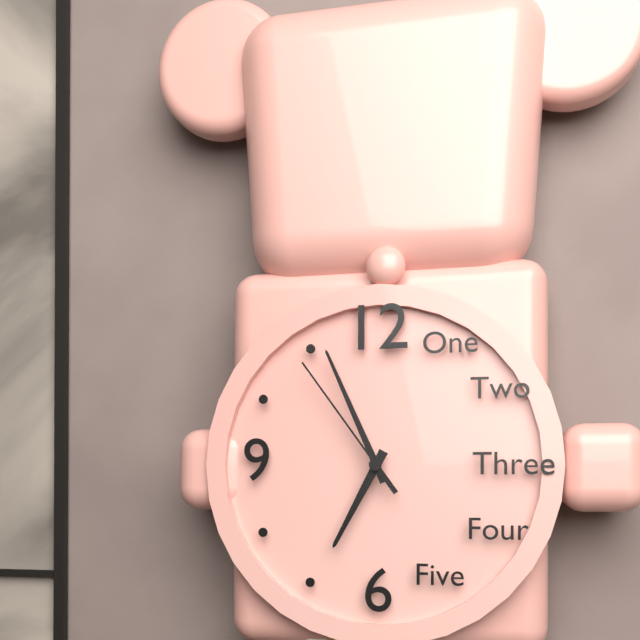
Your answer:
6 h 56 min 54 s
